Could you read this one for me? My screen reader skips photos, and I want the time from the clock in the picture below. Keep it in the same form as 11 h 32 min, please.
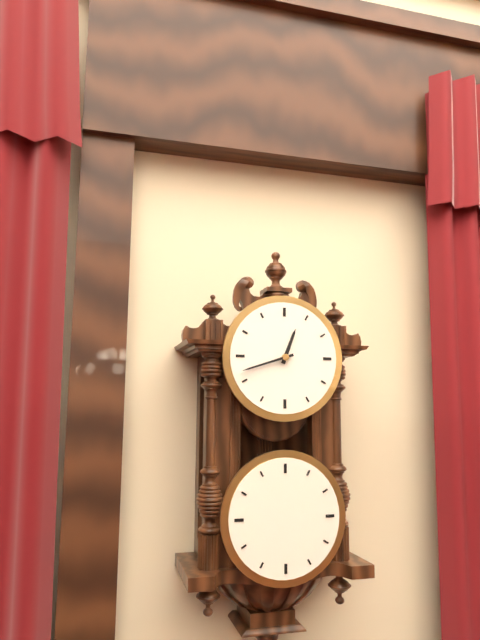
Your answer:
12 h 42 min
